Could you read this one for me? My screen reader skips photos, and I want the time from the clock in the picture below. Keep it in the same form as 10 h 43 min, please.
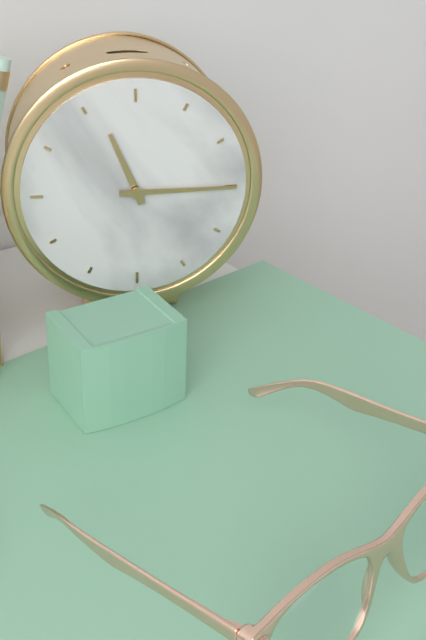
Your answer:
11 h 15 min
